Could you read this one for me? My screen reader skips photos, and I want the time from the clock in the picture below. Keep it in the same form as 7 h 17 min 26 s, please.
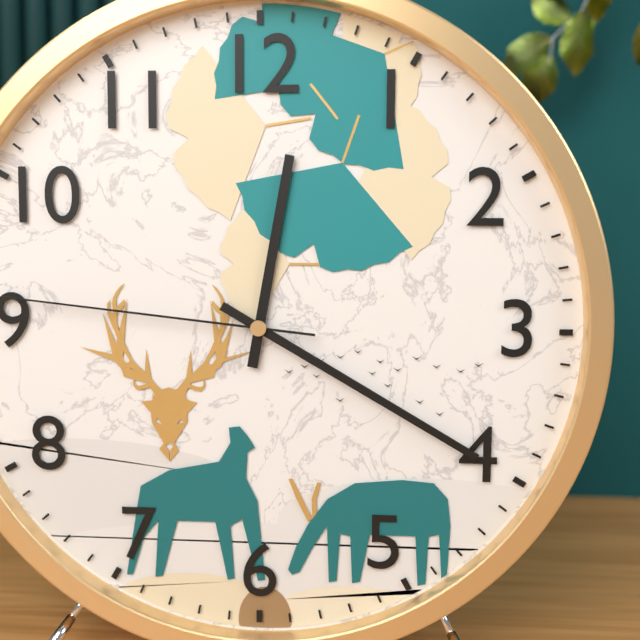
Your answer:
12 h 20 min 46 s
